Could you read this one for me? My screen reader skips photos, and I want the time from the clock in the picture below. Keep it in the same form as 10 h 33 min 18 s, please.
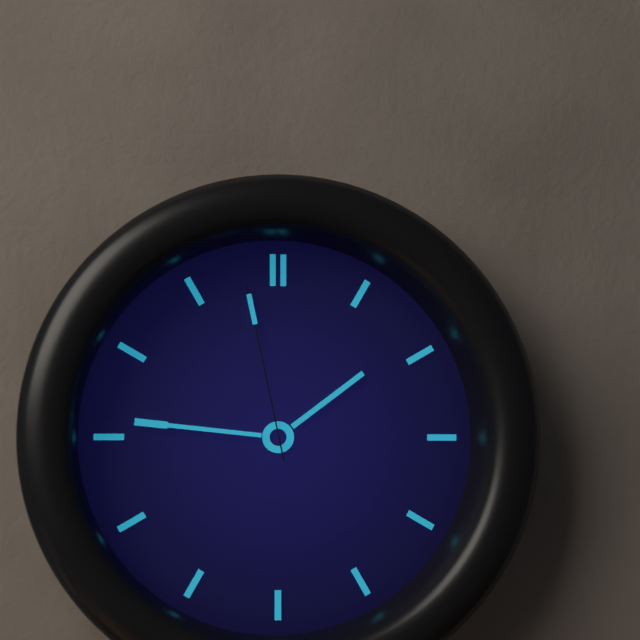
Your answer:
1 h 46 min 58 s
